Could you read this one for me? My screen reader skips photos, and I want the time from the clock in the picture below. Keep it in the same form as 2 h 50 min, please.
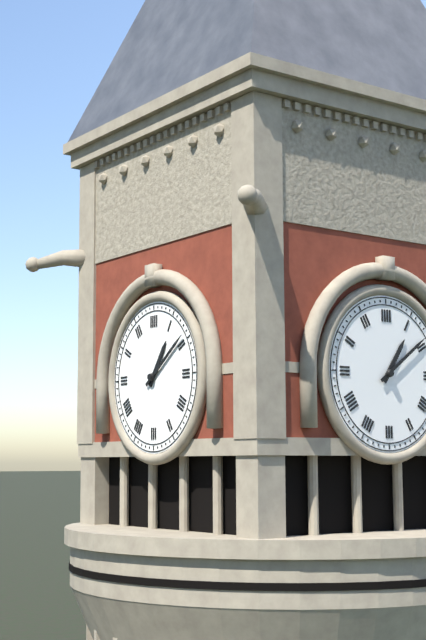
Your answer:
1 h 09 min
